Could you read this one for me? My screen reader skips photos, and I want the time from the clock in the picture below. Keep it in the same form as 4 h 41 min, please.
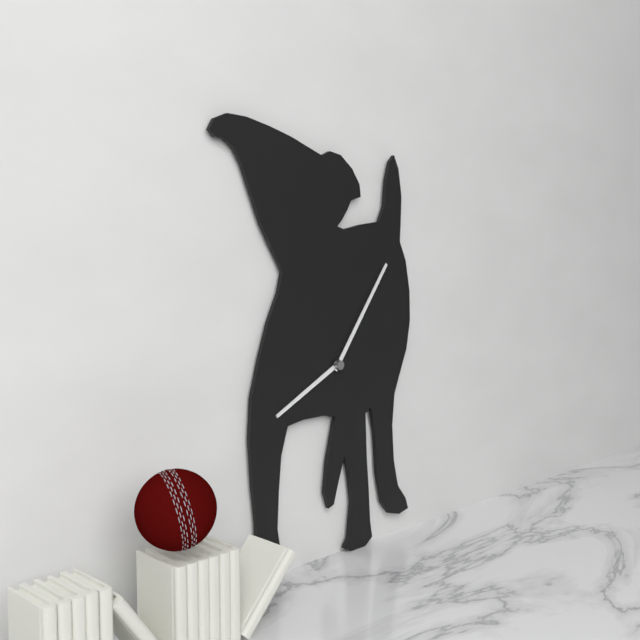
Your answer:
8 h 06 min
